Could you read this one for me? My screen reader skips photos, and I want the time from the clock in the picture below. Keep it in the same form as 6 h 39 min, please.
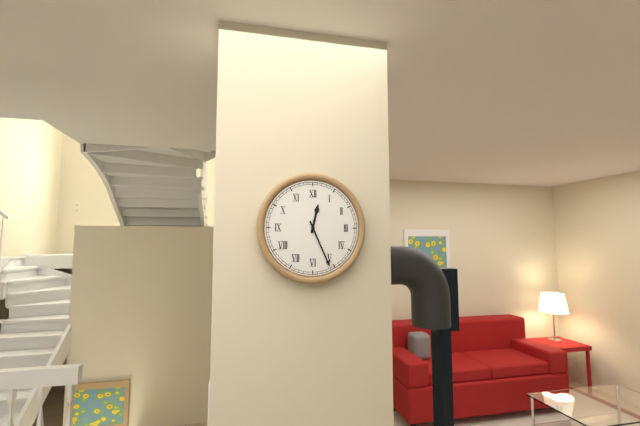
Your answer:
12 h 26 min
